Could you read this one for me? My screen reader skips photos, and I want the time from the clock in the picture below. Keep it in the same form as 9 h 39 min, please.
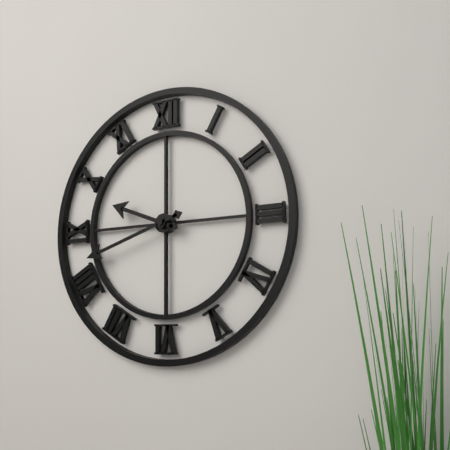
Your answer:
9 h 42 min
